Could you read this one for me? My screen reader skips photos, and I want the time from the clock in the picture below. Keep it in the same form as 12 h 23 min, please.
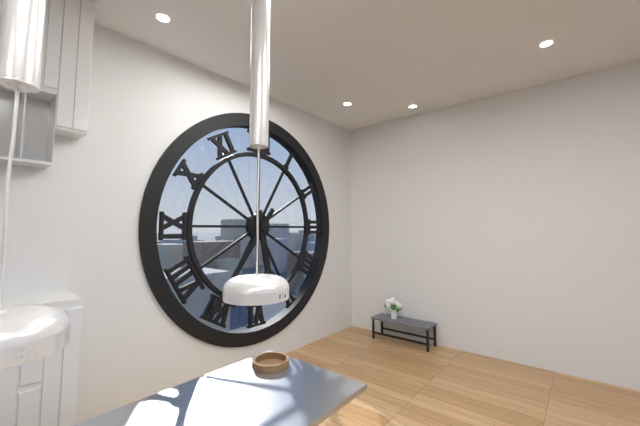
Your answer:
5 h 36 min
